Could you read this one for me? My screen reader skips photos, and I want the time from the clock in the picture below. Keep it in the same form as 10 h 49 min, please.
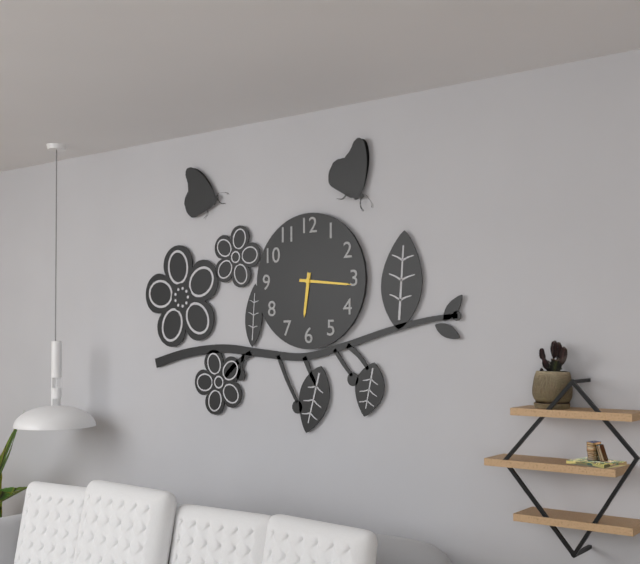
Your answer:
6 h 16 min
